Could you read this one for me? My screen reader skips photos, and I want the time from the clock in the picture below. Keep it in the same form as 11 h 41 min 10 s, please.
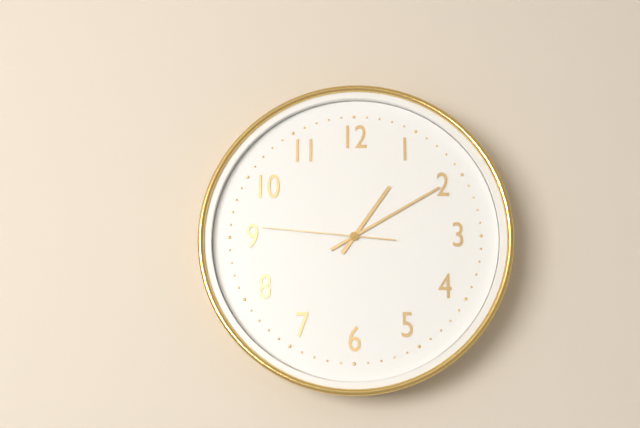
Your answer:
1 h 10 min 46 s
